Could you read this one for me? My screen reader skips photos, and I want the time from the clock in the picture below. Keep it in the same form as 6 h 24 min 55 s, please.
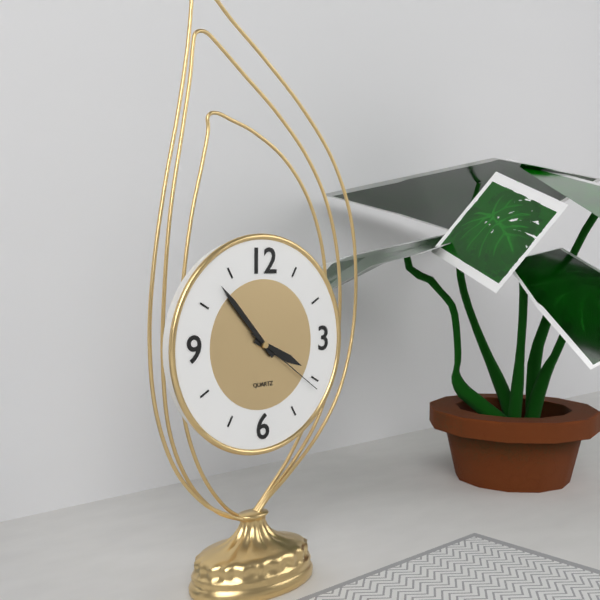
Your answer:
3 h 53 min 21 s
